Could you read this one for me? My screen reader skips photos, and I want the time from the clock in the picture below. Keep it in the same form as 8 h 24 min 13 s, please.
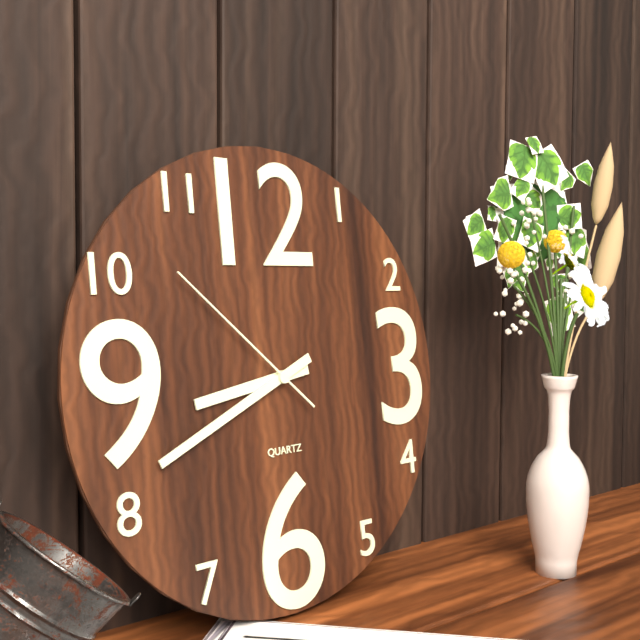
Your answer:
8 h 41 min 52 s
